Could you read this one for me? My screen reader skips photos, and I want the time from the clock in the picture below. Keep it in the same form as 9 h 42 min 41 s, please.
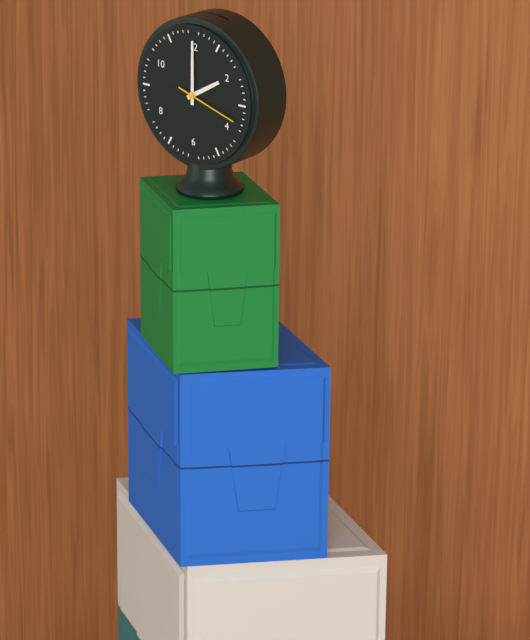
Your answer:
2 h 00 min 18 s
